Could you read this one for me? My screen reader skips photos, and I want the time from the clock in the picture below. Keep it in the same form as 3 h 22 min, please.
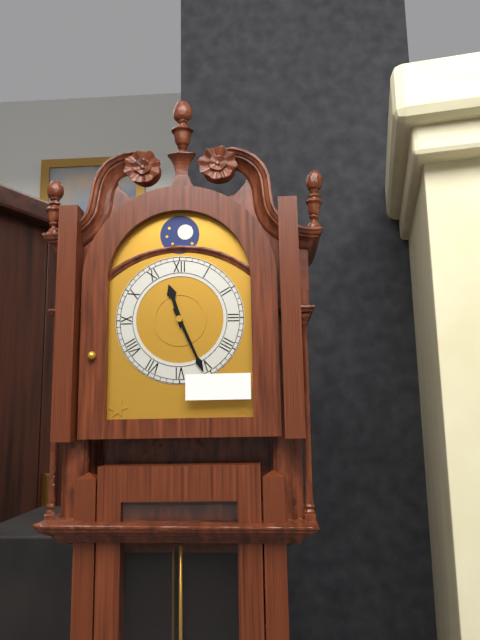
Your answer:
11 h 26 min
